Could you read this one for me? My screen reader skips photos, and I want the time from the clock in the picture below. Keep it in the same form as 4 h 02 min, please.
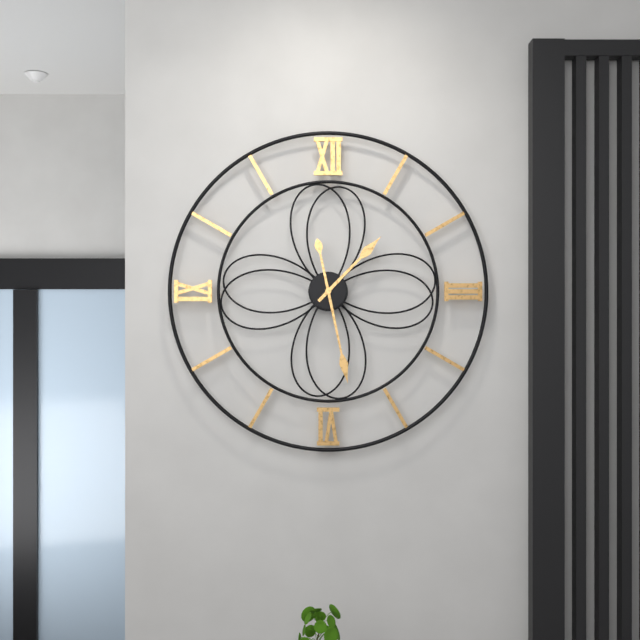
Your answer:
1 h 28 min
